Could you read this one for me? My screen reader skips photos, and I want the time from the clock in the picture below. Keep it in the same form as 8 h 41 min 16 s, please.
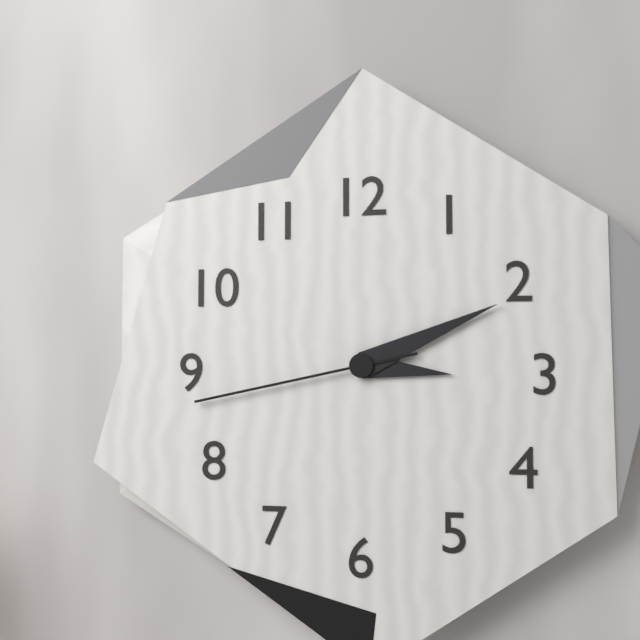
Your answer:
3 h 11 min 43 s
